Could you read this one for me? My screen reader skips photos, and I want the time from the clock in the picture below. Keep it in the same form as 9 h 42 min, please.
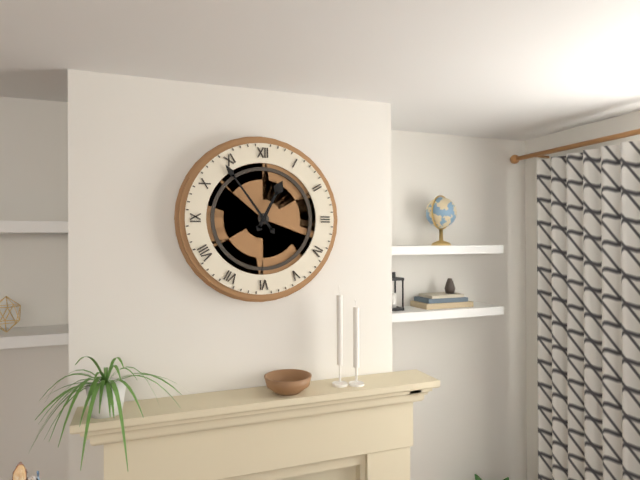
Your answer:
12 h 54 min
